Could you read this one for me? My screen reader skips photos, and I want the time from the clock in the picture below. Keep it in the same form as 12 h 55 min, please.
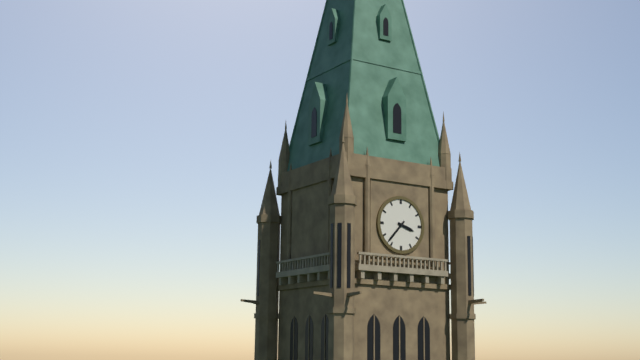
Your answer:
3 h 37 min
